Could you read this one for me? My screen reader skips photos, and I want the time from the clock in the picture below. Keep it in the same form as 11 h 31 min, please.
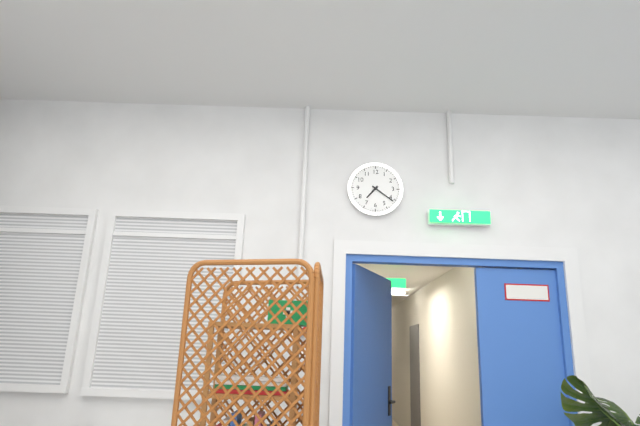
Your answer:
7 h 21 min
